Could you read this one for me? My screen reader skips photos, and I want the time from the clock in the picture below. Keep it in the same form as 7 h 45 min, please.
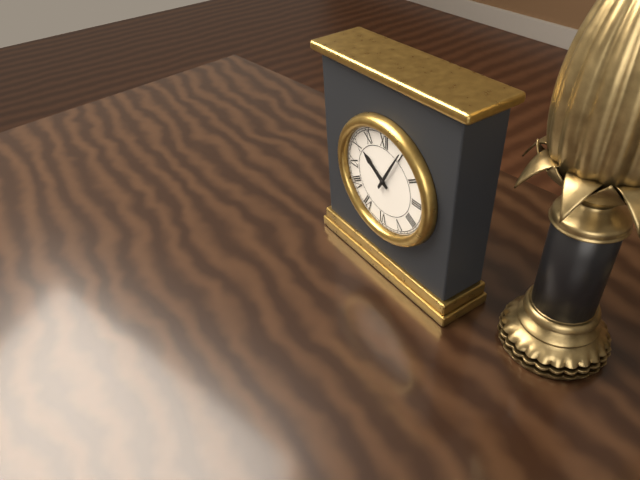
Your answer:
10 h 05 min
